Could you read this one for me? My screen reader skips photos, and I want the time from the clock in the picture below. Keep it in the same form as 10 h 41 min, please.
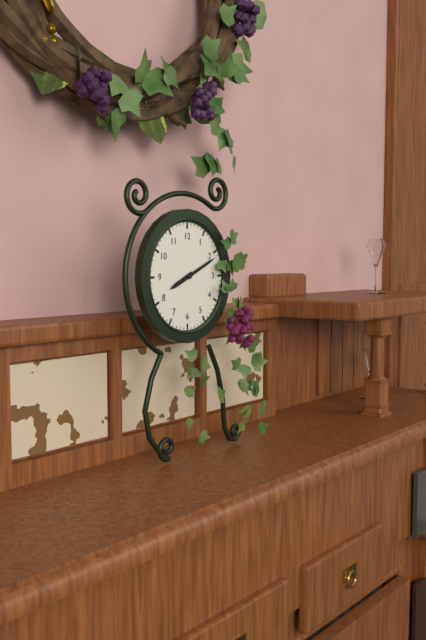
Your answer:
8 h 11 min
